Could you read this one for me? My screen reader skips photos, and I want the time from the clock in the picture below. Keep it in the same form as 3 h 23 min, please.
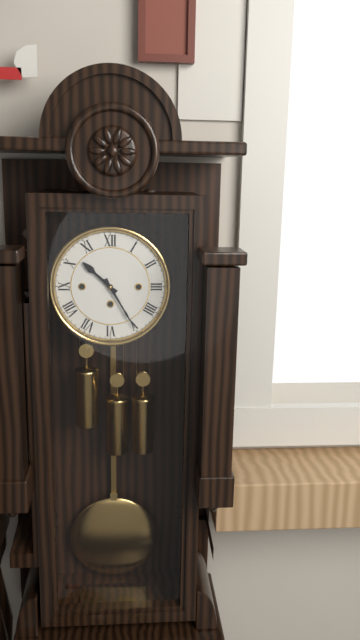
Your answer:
10 h 25 min
